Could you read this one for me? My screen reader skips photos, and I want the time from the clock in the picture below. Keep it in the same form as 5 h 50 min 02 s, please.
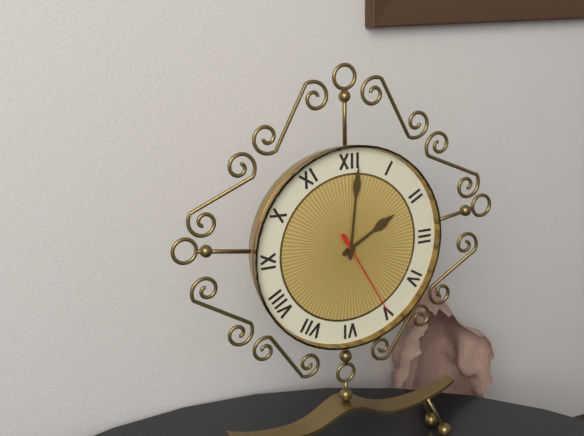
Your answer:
2 h 01 min 25 s
